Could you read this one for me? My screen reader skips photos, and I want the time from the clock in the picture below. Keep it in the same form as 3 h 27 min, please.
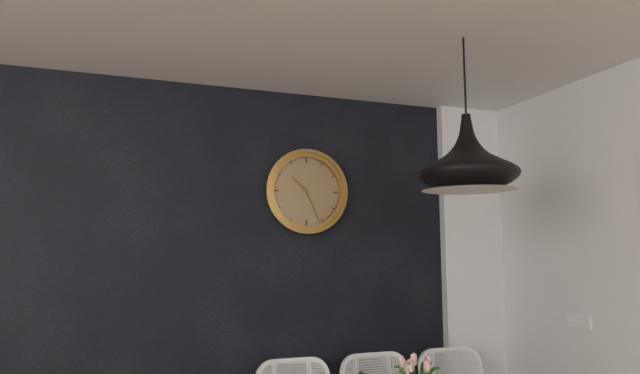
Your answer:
10 h 26 min
